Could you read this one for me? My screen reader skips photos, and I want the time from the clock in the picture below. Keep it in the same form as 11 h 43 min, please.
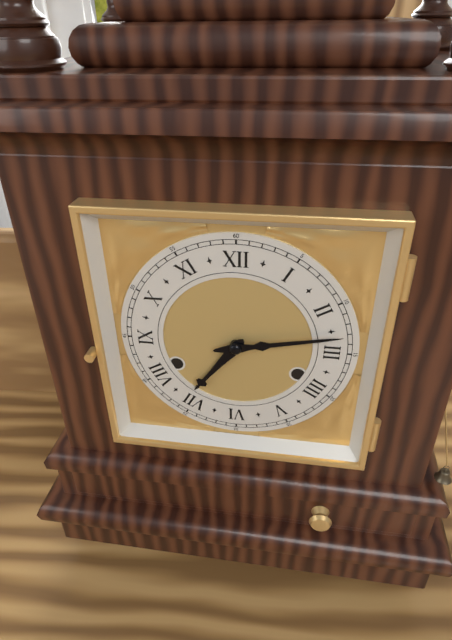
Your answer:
7 h 13 min
